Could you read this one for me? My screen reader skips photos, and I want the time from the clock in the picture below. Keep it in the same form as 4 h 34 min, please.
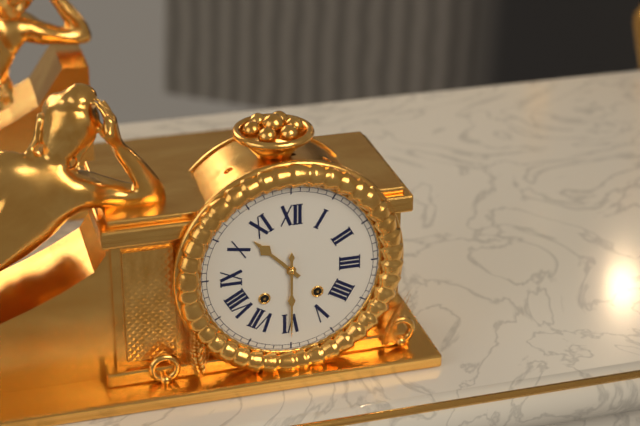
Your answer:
10 h 30 min
